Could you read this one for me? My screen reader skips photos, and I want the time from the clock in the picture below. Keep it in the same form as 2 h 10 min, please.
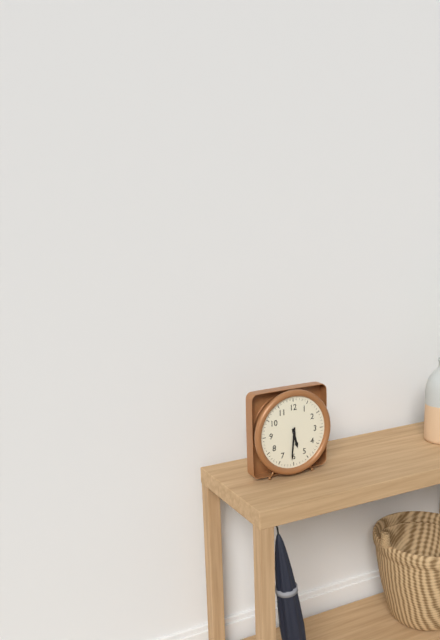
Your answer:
5 h 31 min
